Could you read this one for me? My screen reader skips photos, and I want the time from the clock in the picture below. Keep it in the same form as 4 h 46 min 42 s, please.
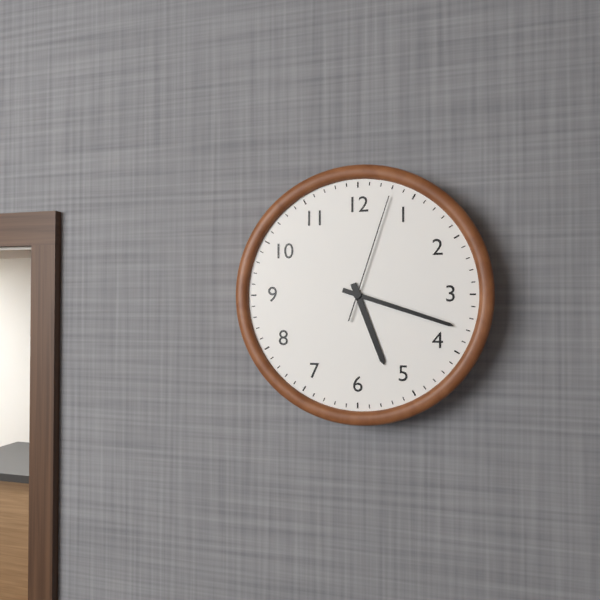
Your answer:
5 h 18 min 03 s
